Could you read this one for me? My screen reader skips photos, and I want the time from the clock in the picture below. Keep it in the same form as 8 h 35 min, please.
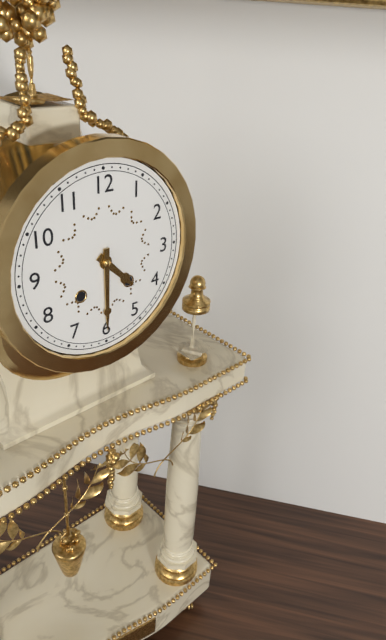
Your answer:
4 h 30 min
